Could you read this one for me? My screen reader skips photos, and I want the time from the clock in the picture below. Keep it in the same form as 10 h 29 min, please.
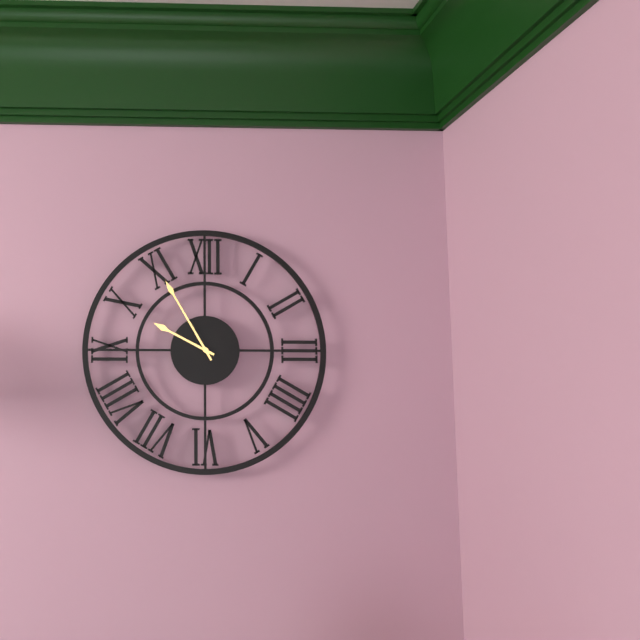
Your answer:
9 h 55 min
